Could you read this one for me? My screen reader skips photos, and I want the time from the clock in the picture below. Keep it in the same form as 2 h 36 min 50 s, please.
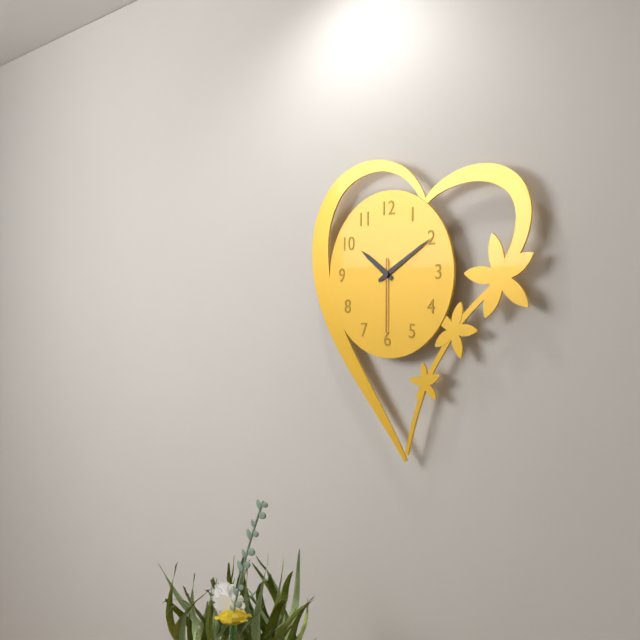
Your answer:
10 h 10 min 30 s
